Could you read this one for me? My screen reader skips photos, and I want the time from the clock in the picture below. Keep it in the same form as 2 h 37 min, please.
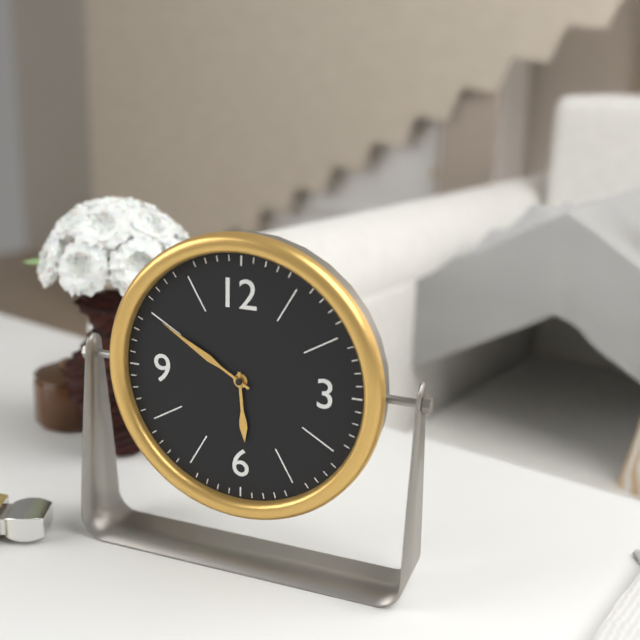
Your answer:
5 h 50 min
